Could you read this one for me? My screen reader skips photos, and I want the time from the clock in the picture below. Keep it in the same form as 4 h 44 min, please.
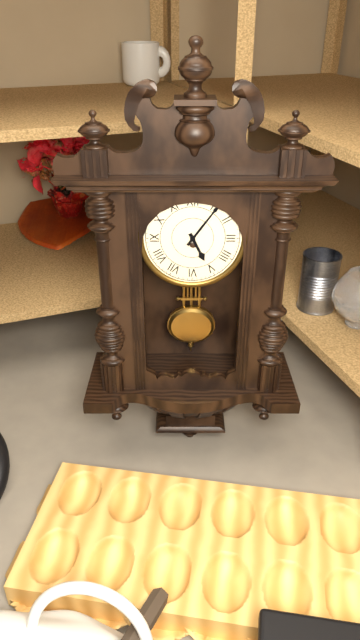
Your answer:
5 h 06 min
